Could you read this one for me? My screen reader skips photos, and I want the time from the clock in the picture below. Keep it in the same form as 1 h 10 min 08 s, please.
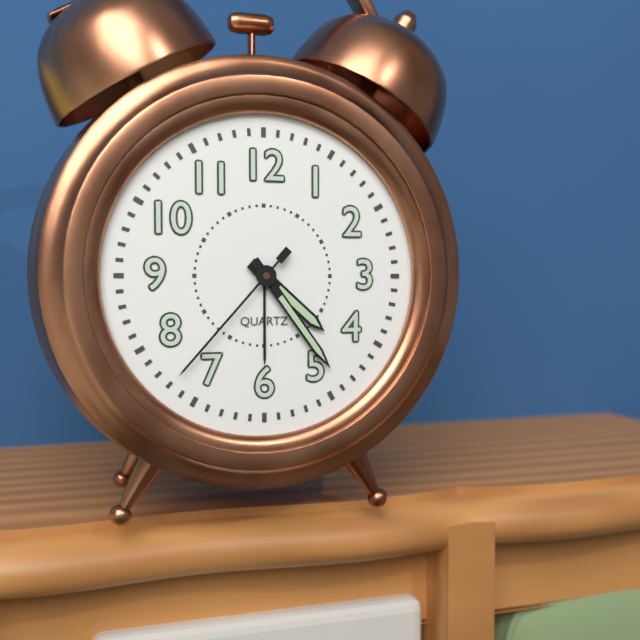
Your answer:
4 h 24 min 37 s
